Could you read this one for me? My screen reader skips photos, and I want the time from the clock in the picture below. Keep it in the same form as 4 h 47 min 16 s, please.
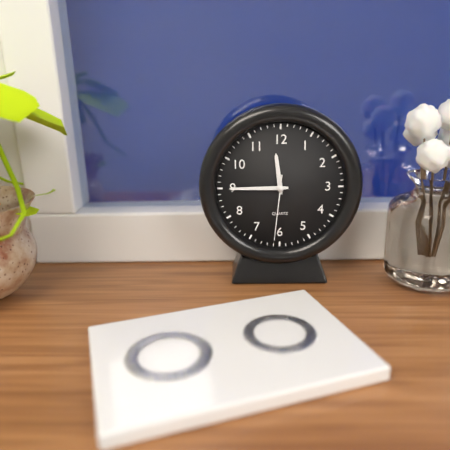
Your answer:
11 h 45 min 31 s
